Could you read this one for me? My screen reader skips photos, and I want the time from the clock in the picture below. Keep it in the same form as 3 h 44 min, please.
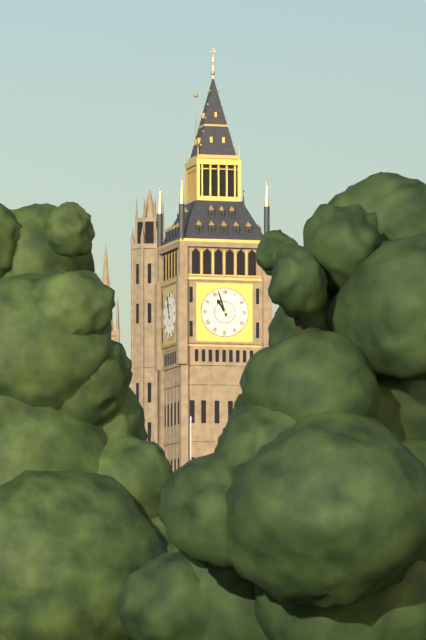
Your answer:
10 h 57 min
